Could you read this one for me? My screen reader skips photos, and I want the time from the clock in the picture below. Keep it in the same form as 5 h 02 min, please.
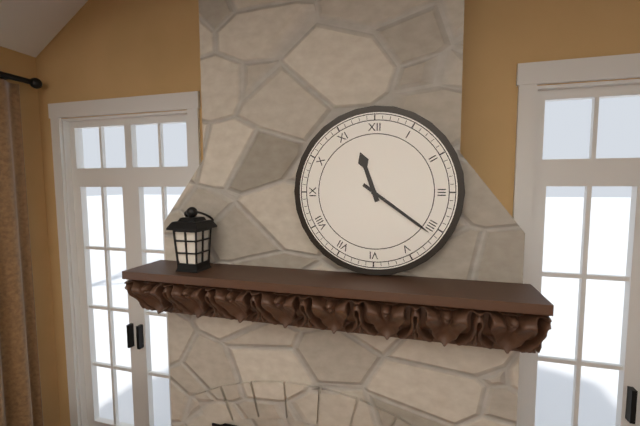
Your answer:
11 h 21 min
